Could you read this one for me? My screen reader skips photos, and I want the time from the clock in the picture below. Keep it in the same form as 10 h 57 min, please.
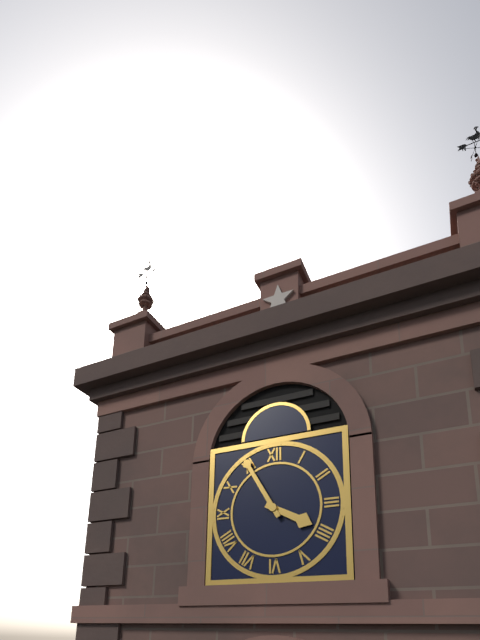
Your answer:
3 h 55 min
